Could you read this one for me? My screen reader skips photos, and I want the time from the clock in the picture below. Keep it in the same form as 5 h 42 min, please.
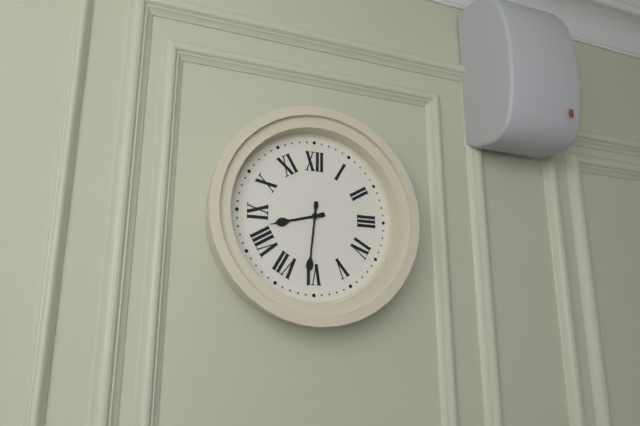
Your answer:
8 h 31 min
